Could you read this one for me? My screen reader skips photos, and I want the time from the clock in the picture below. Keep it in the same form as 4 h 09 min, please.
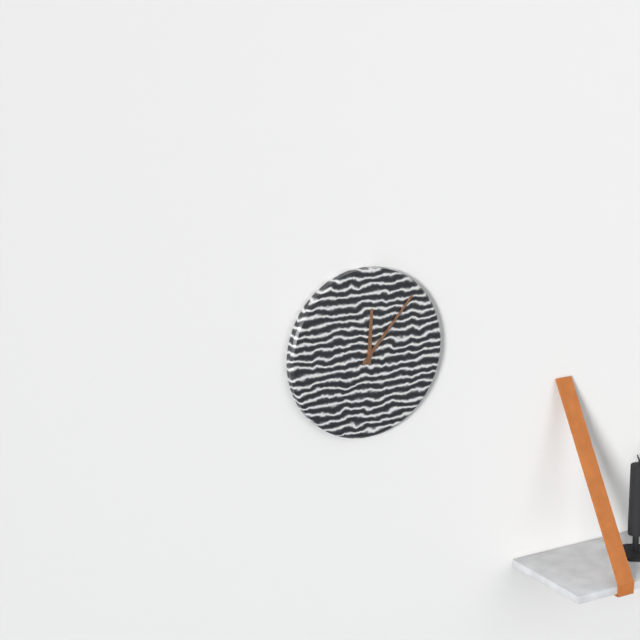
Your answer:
12 h 07 min
